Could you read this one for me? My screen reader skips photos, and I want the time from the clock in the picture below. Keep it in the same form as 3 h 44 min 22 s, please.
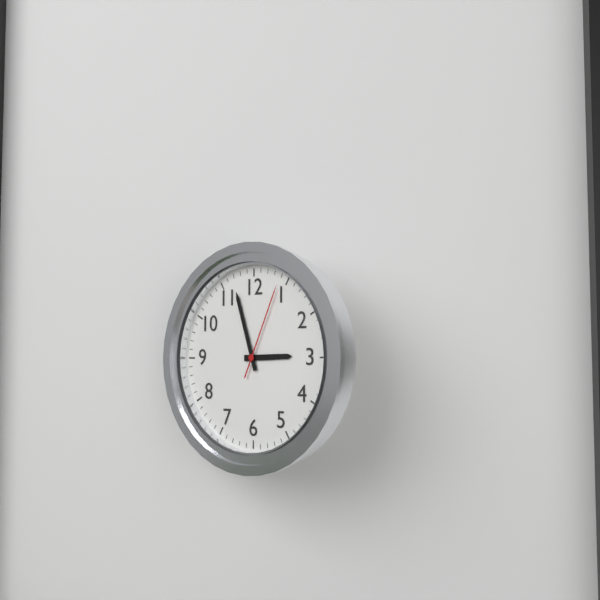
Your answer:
2 h 57 min 04 s
